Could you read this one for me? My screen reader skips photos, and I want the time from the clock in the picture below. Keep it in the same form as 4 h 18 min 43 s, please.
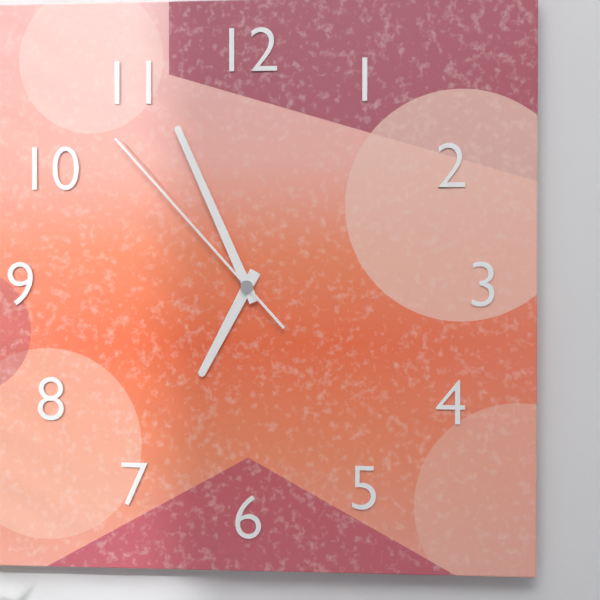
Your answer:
6 h 56 min 53 s
